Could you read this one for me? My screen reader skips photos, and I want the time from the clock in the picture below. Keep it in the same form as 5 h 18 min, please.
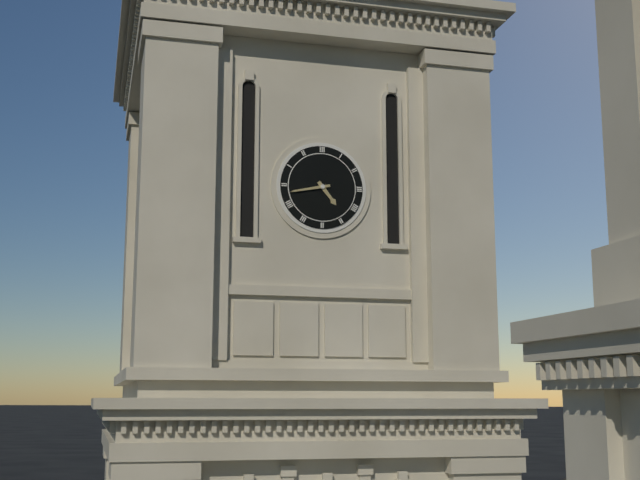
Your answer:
4 h 43 min
